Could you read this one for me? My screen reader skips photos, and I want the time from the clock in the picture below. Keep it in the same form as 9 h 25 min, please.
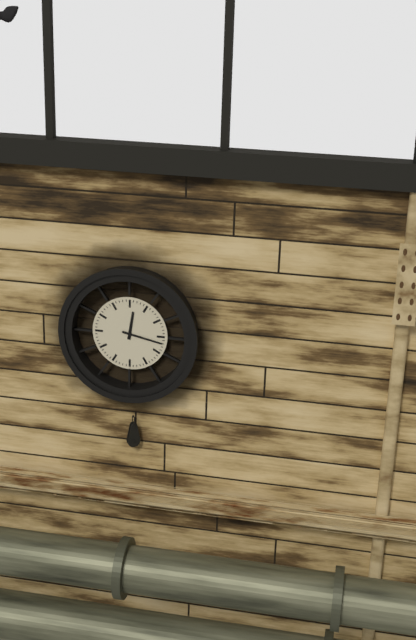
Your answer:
12 h 17 min
